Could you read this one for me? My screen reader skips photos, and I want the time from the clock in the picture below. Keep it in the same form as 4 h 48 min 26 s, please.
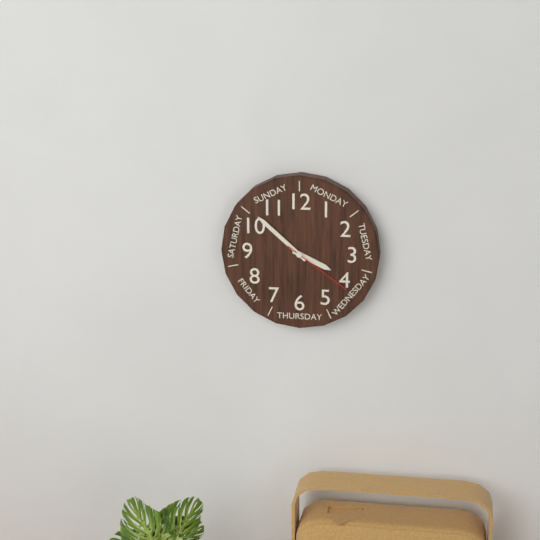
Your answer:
3 h 52 min 21 s
